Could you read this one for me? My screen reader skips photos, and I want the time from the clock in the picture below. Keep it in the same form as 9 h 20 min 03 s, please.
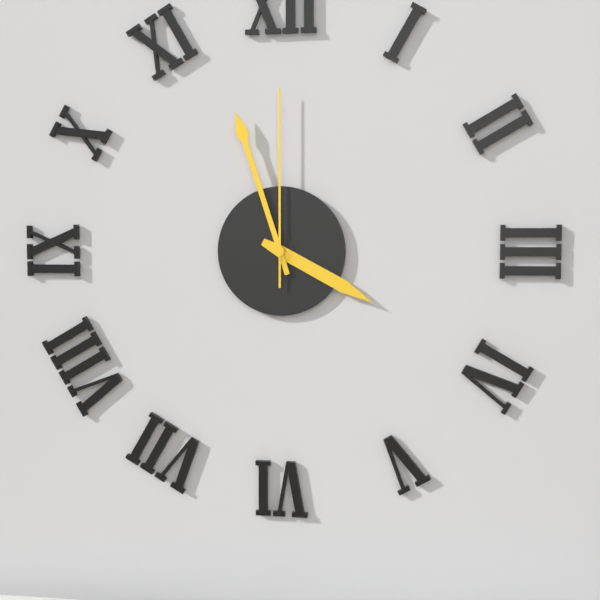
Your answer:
3 h 57 min 00 s
